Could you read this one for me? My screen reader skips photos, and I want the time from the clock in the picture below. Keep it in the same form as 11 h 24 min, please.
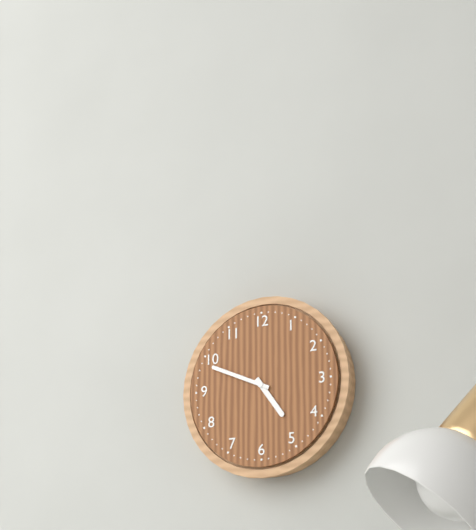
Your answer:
4 h 49 min
